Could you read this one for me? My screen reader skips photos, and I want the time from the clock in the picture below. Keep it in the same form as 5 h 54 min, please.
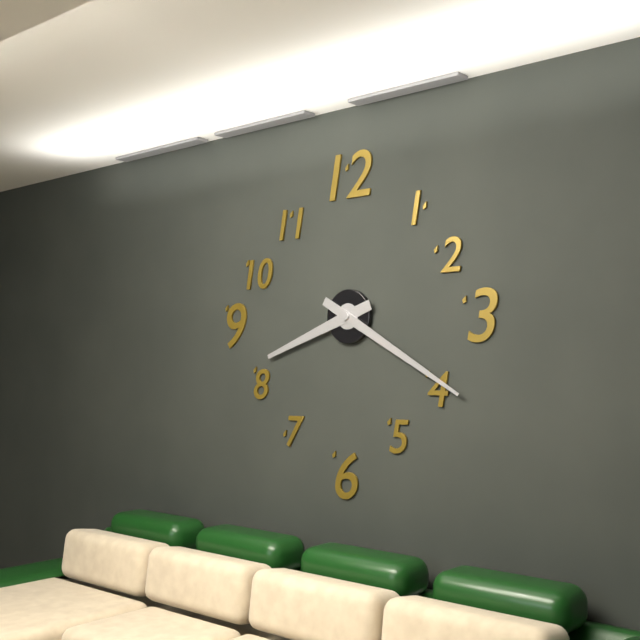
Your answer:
8 h 20 min
